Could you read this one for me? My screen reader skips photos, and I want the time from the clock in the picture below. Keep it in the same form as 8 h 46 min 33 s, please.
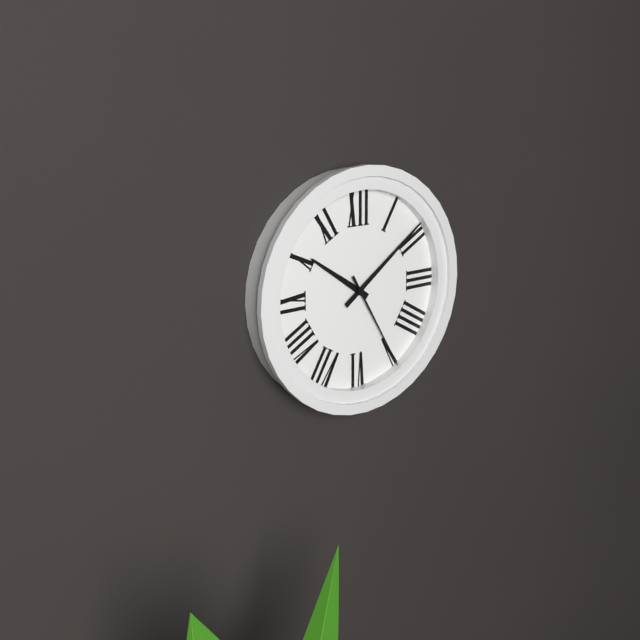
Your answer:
10 h 09 min 25 s
